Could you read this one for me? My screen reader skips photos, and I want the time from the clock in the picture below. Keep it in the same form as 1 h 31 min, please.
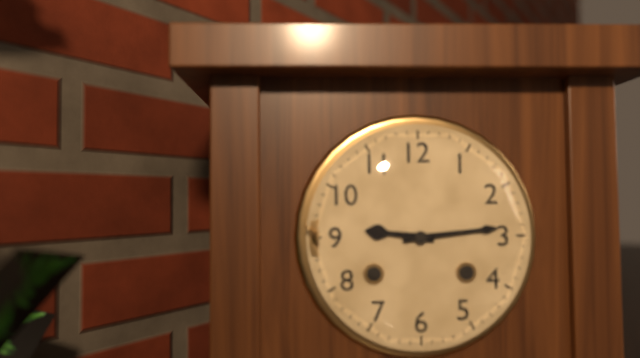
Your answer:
9 h 14 min
